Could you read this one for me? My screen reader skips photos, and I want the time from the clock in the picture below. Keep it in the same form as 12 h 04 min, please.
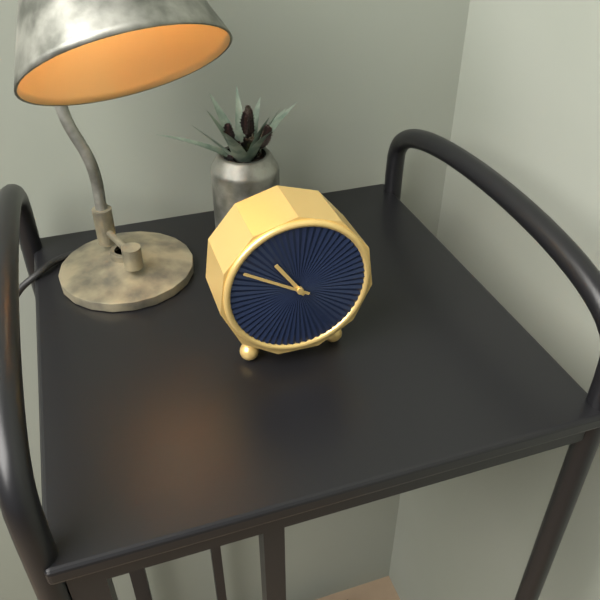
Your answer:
10 h 50 min
